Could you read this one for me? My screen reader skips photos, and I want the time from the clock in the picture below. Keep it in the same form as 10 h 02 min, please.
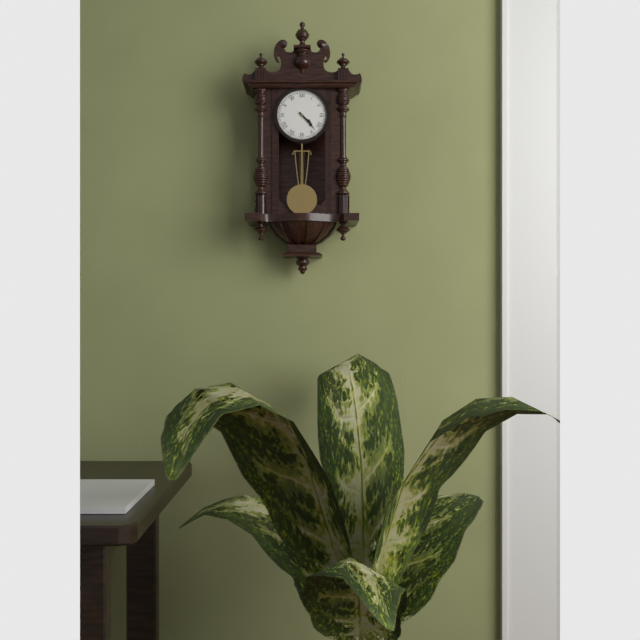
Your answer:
4 h 23 min
